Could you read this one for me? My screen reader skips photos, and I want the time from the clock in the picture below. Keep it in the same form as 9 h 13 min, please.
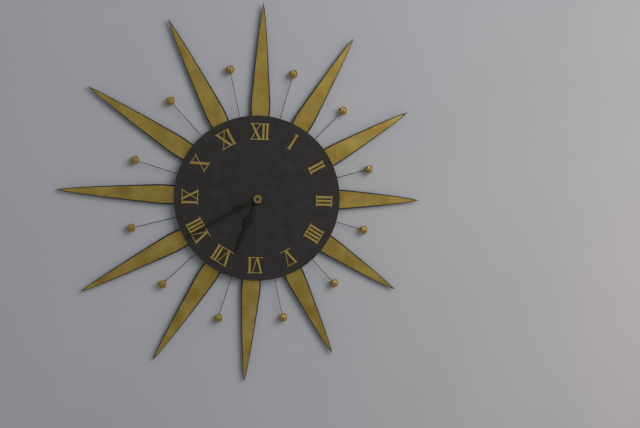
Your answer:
6 h 40 min
